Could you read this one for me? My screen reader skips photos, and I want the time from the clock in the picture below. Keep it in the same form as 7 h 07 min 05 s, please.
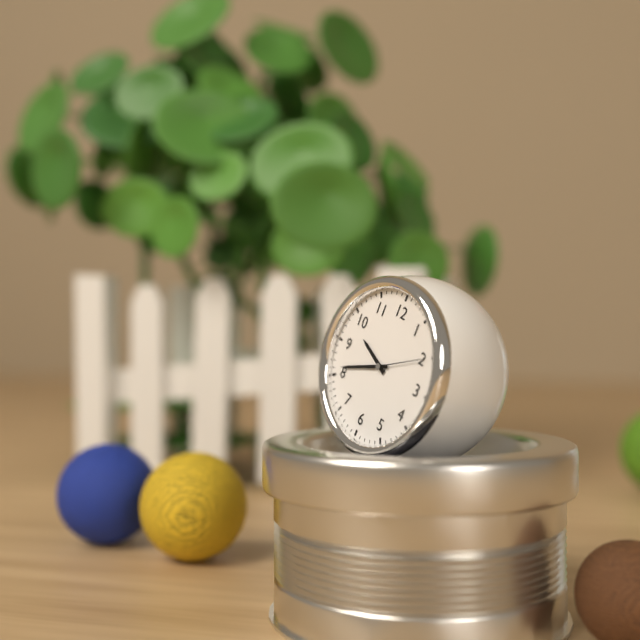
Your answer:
9 h 41 min 10 s
